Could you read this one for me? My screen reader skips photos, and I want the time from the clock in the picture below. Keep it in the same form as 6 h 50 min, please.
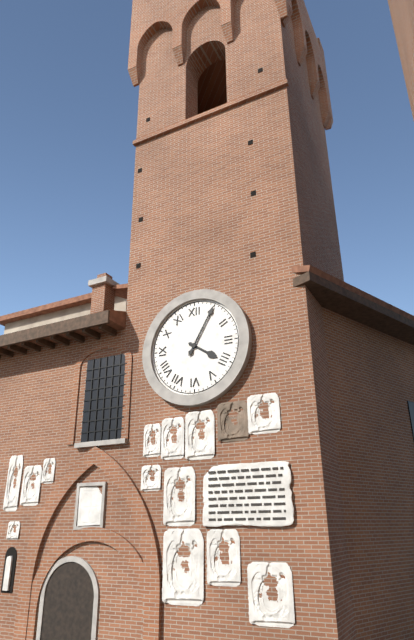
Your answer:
4 h 05 min
